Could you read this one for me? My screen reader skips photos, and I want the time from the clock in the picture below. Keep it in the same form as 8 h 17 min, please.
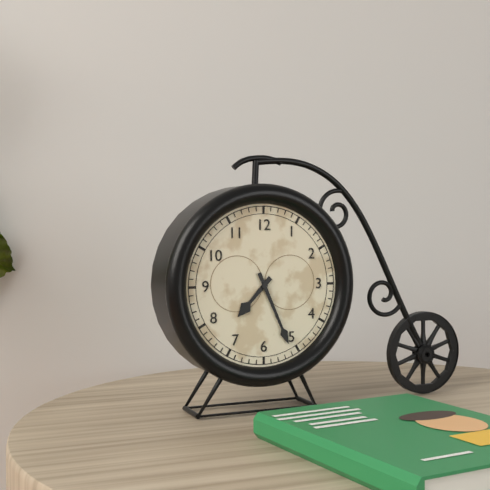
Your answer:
7 h 26 min
